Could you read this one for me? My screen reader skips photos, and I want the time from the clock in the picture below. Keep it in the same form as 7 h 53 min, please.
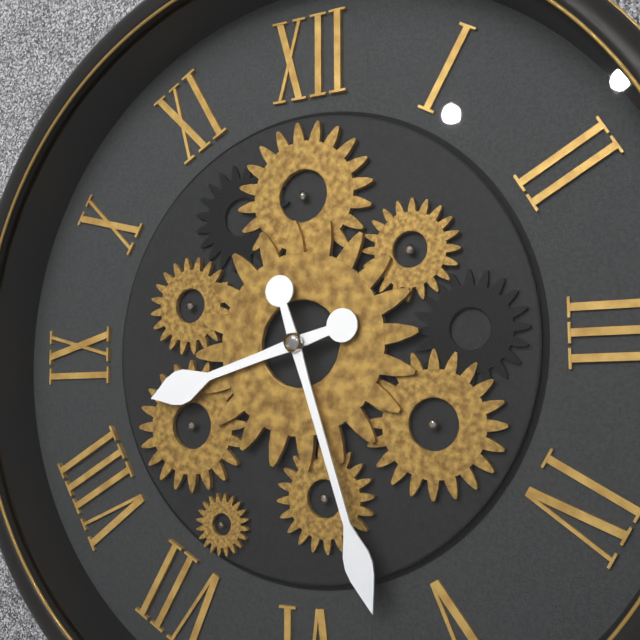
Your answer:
8 h 27 min
